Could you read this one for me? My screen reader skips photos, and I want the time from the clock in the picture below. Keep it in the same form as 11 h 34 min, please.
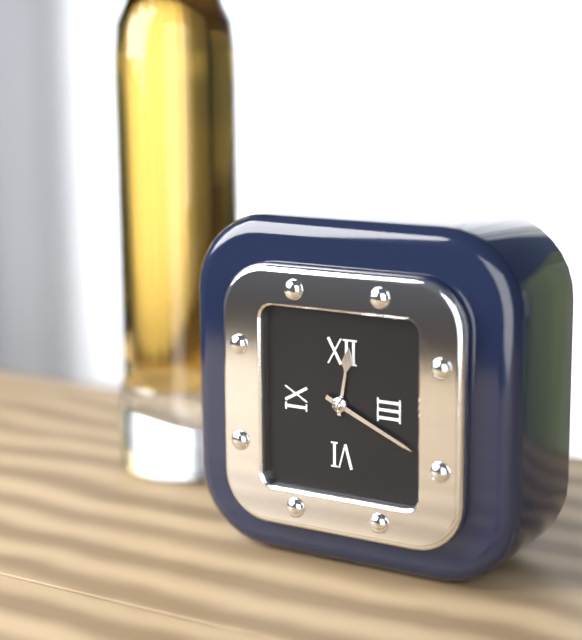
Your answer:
12 h 19 min
